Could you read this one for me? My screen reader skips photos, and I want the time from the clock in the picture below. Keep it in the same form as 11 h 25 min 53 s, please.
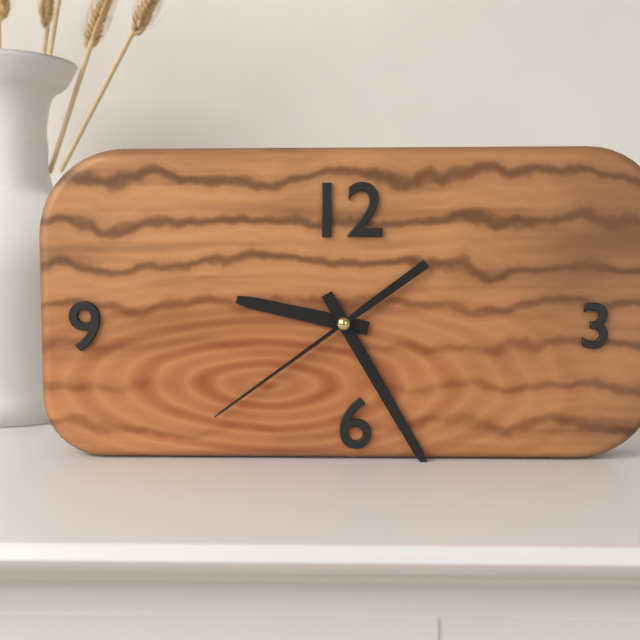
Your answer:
9 h 25 min 39 s
